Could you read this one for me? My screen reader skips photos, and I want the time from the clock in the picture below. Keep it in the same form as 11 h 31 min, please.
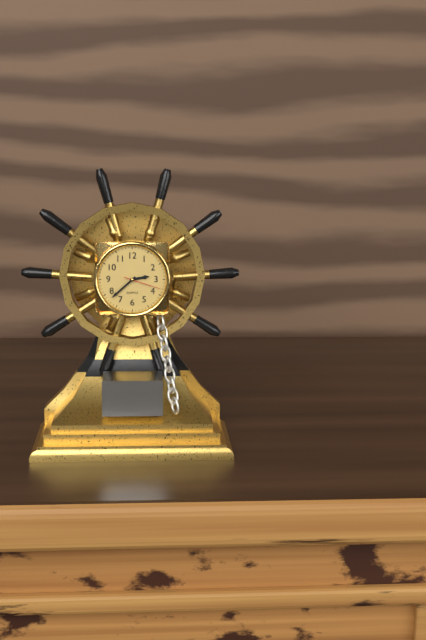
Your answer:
2 h 38 min
